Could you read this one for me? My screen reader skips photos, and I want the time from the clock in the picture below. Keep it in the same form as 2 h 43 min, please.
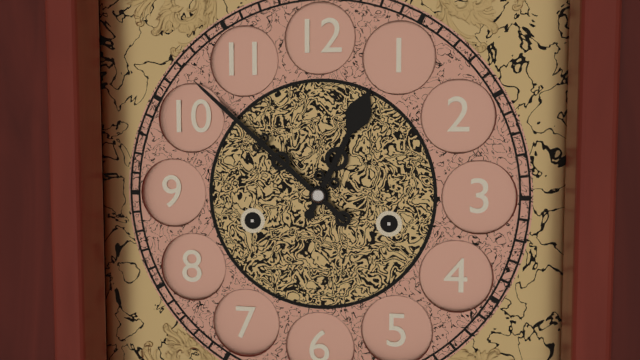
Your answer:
12 h 52 min
